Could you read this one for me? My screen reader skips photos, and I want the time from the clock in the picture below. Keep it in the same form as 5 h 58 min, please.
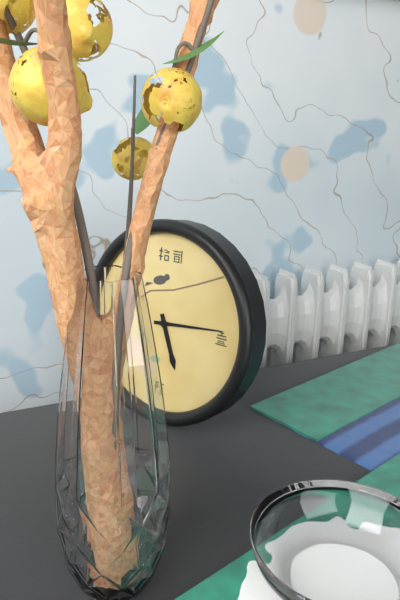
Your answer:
5 h 14 min
